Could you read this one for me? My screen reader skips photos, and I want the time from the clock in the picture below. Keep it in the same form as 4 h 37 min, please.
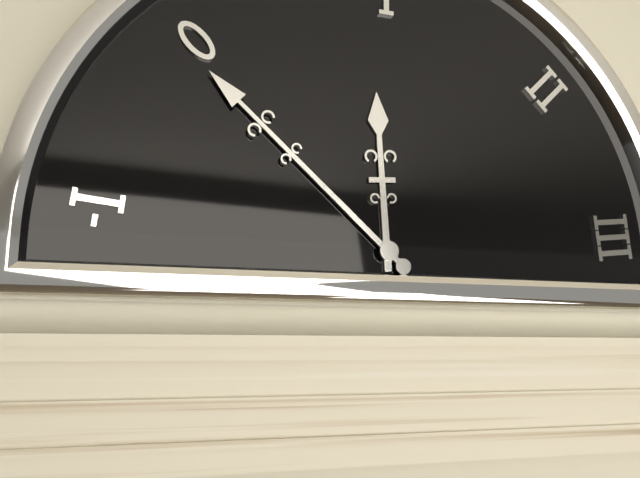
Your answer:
11 h 52 min
